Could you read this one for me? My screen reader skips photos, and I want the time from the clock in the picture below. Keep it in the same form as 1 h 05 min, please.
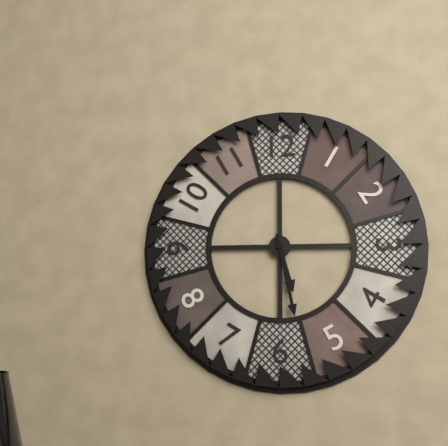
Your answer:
5 h 28 min
